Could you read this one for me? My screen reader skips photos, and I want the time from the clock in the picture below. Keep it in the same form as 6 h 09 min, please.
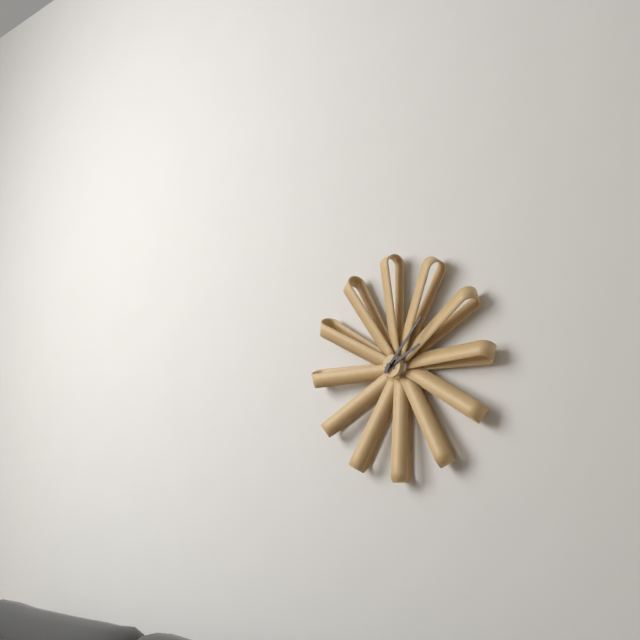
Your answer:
2 h 07 min
